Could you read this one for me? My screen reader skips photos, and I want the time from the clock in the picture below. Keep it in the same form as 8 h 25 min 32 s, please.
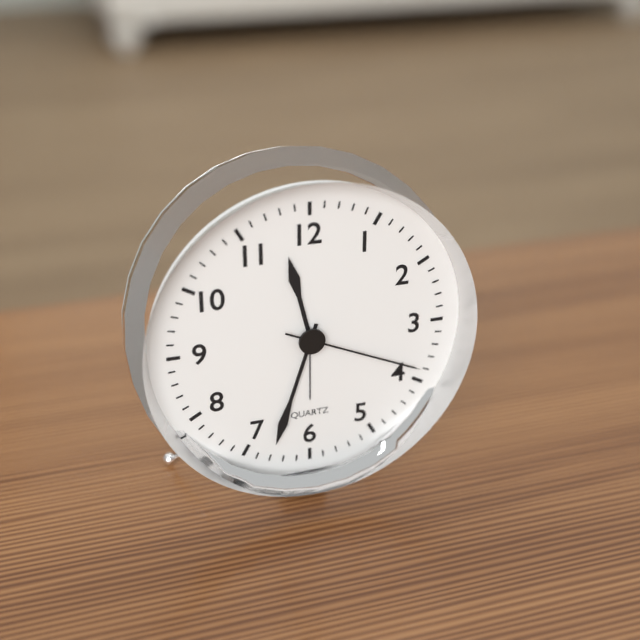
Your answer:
11 h 33 min 19 s
